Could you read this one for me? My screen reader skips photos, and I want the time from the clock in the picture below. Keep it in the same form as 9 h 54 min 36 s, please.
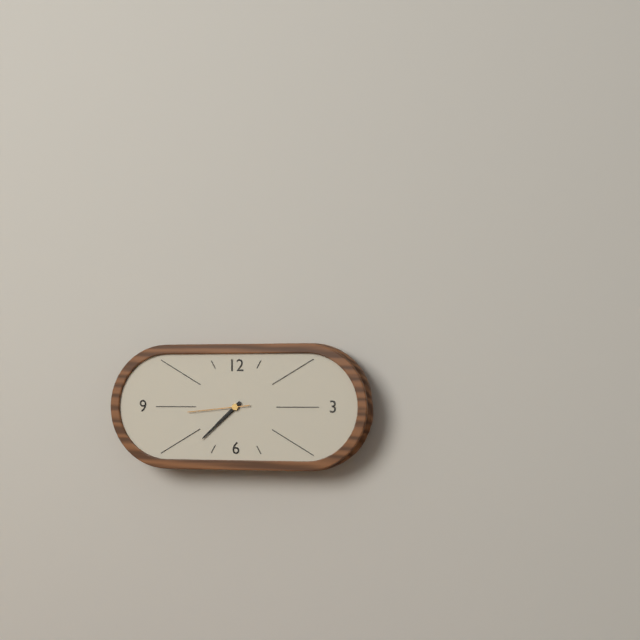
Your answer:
7 h 38 min 44 s
